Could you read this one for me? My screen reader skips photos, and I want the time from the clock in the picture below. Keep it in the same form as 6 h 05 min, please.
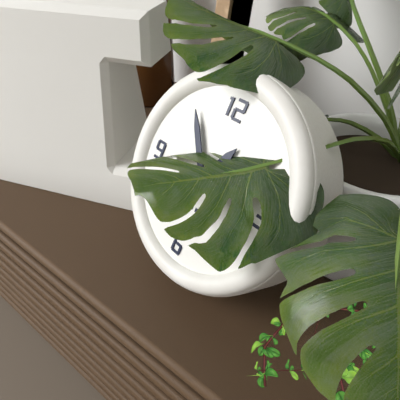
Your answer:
12 h 54 min
